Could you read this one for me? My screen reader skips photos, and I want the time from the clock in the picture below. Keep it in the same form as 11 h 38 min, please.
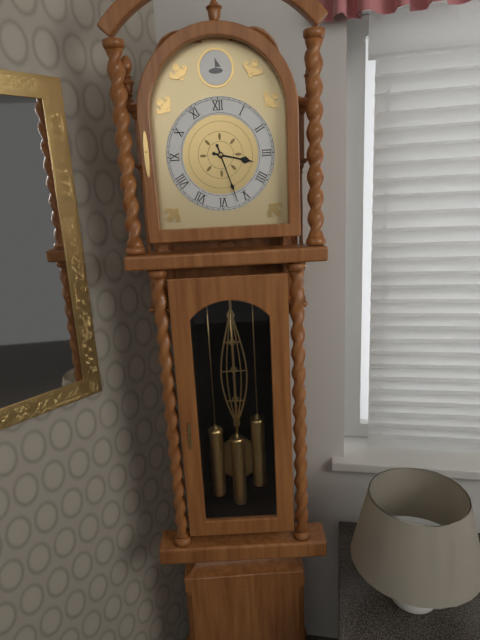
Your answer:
3 h 27 min
